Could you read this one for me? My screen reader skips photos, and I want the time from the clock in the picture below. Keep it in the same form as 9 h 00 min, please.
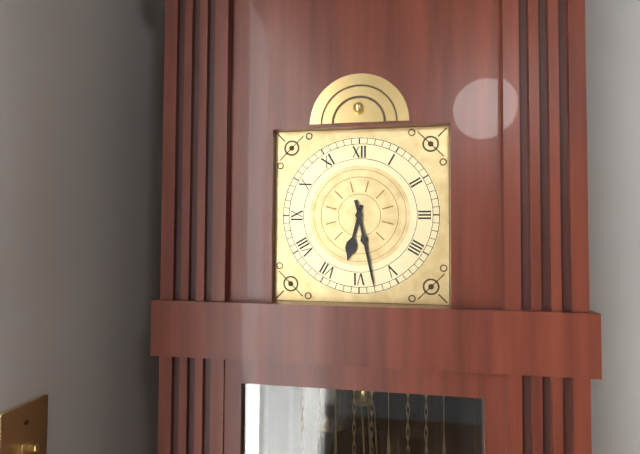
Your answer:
6 h 28 min
